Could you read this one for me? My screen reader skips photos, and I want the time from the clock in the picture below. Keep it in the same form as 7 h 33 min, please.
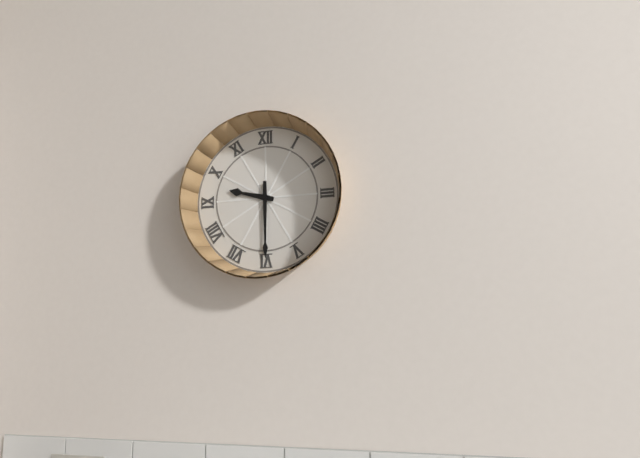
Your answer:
9 h 30 min
